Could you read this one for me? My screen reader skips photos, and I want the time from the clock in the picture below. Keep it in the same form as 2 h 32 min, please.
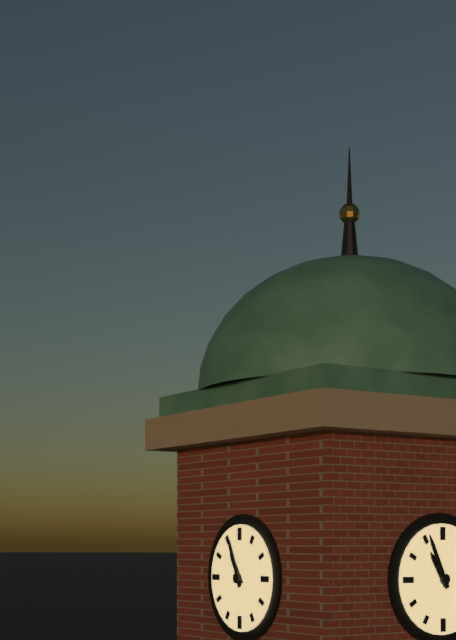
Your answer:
10 h 56 min
